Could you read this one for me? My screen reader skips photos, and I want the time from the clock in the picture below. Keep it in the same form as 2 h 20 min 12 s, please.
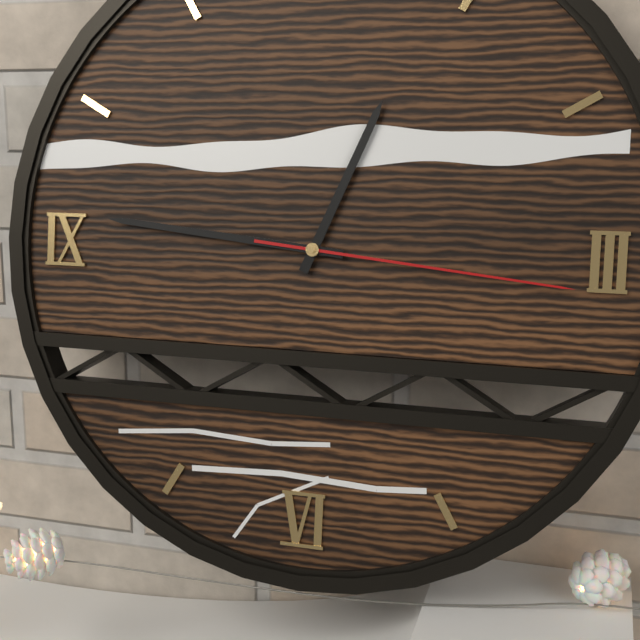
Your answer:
12 h 46 min 16 s
